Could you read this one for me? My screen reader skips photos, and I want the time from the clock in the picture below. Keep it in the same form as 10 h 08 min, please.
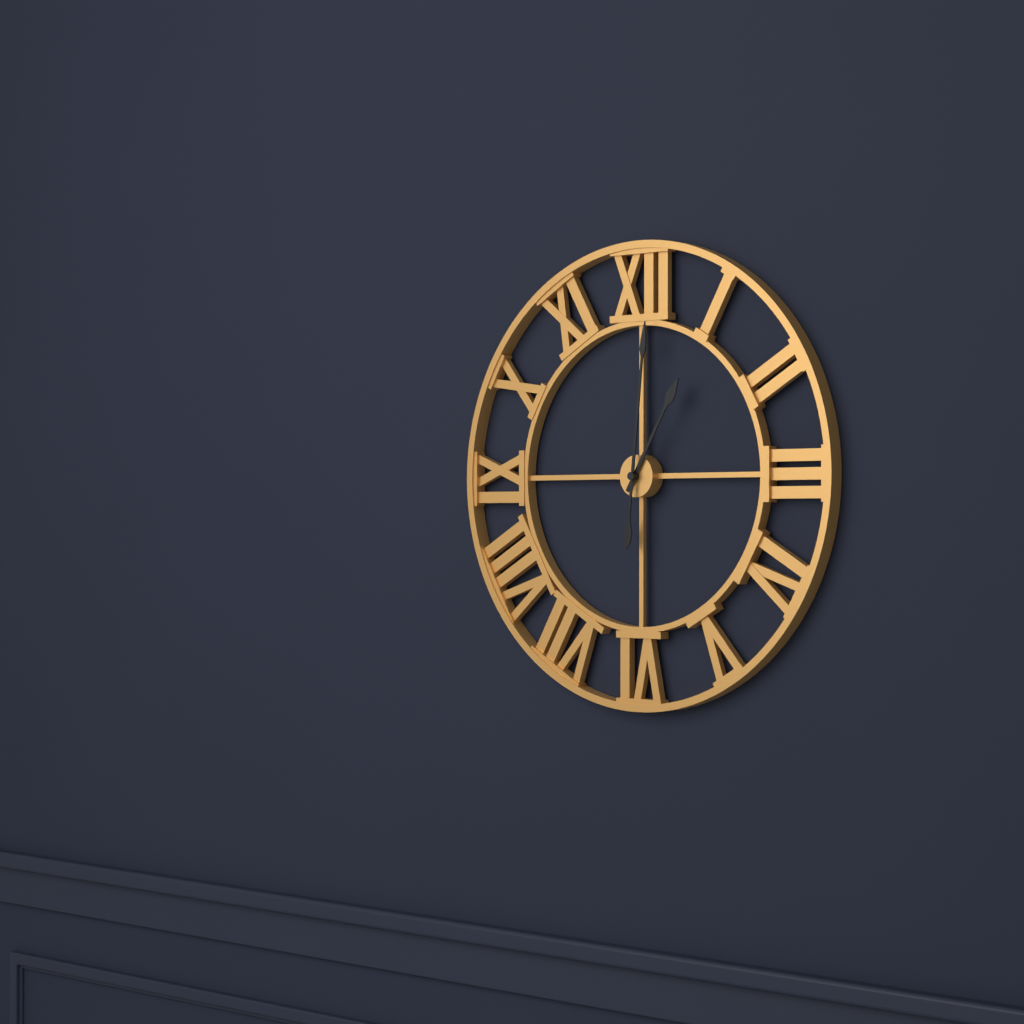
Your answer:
1 h 01 min
